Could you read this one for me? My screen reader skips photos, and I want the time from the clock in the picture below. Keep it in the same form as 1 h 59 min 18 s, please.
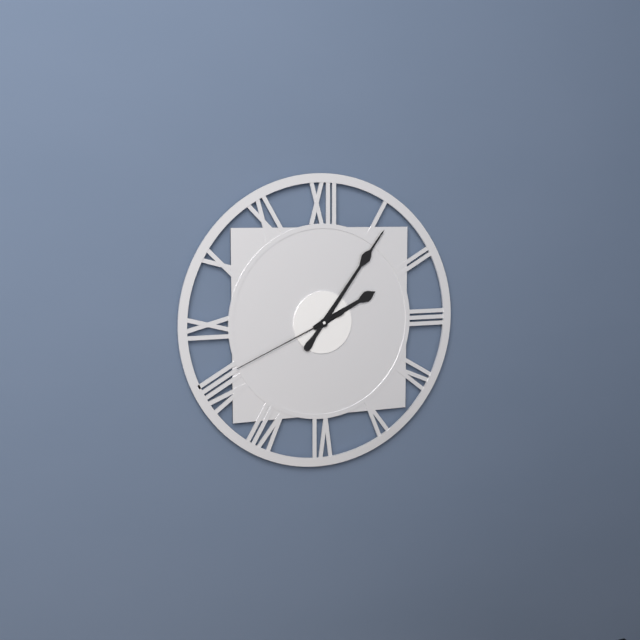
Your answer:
2 h 06 min 41 s
